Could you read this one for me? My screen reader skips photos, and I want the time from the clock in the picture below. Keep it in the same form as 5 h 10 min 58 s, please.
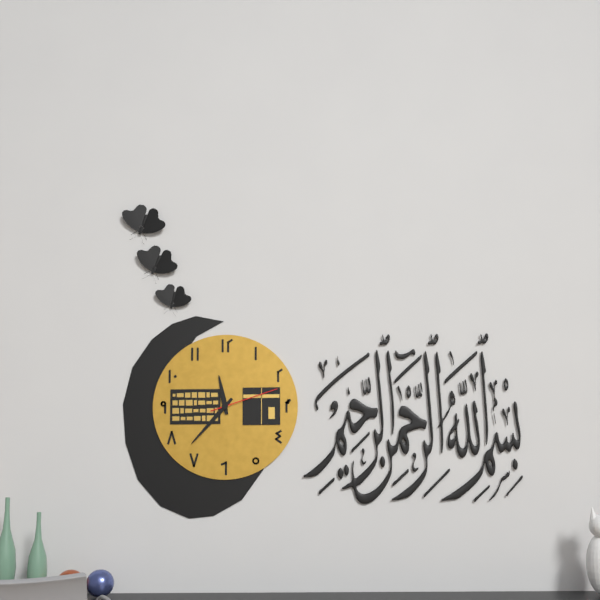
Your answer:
11 h 37 min 12 s
